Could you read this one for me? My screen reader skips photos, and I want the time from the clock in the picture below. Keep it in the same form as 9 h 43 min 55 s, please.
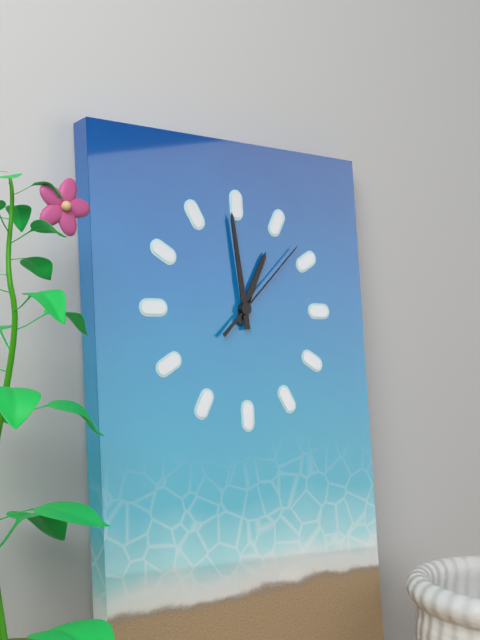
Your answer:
12 h 59 min 08 s
